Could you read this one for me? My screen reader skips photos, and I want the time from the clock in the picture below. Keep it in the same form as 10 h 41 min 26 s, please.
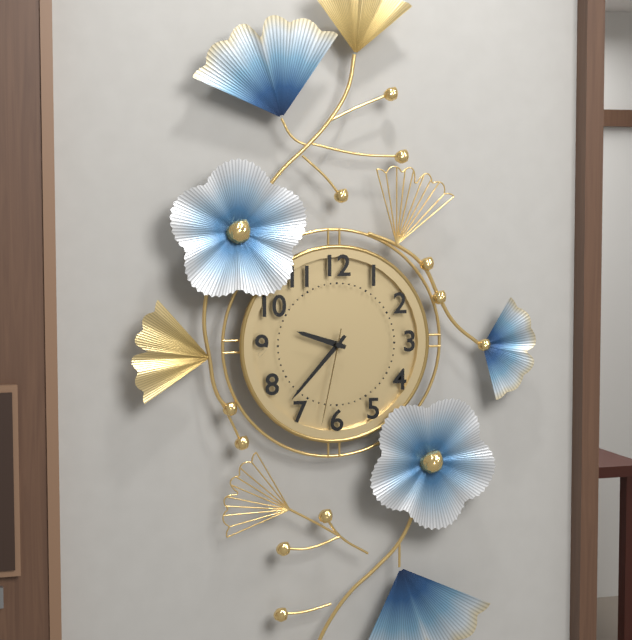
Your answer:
9 h 37 min 32 s
